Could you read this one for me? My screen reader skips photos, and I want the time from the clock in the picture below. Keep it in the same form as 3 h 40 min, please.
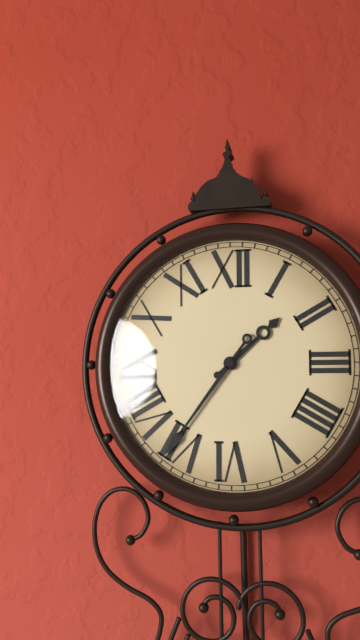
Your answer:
1 h 36 min
